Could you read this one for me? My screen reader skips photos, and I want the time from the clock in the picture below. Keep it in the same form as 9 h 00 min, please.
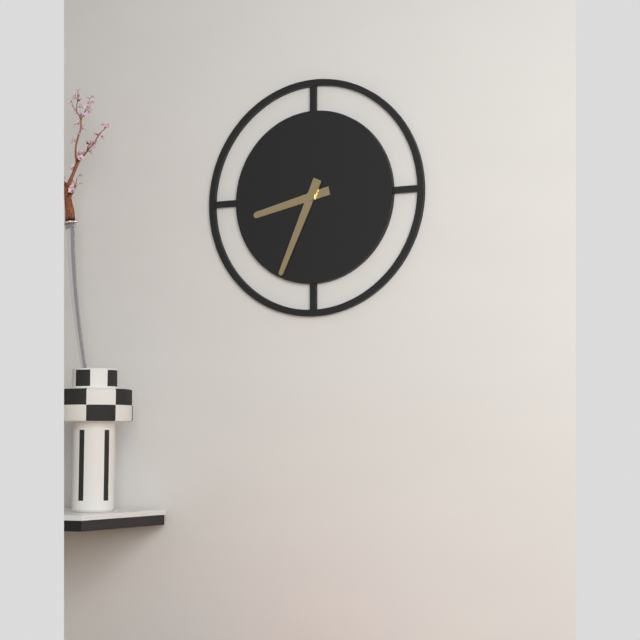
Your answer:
8 h 34 min
